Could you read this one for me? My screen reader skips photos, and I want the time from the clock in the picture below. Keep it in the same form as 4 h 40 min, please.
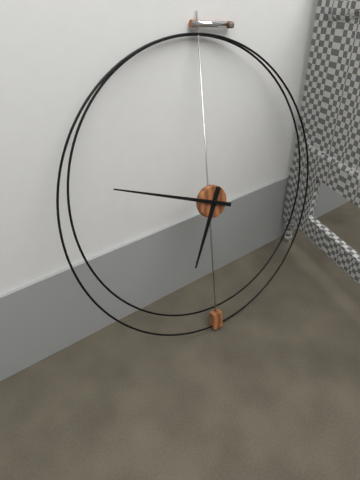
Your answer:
6 h 48 min
